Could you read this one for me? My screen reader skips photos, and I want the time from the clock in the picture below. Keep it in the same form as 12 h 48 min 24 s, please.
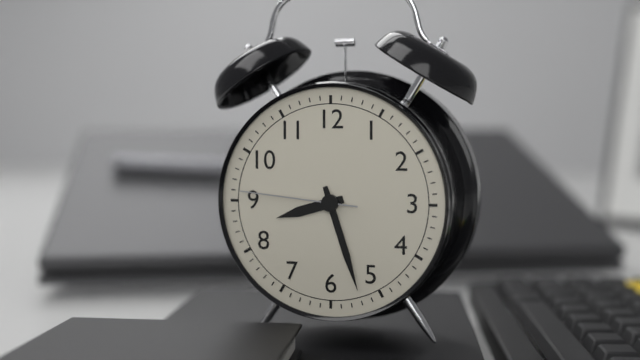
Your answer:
8 h 27 min 46 s
